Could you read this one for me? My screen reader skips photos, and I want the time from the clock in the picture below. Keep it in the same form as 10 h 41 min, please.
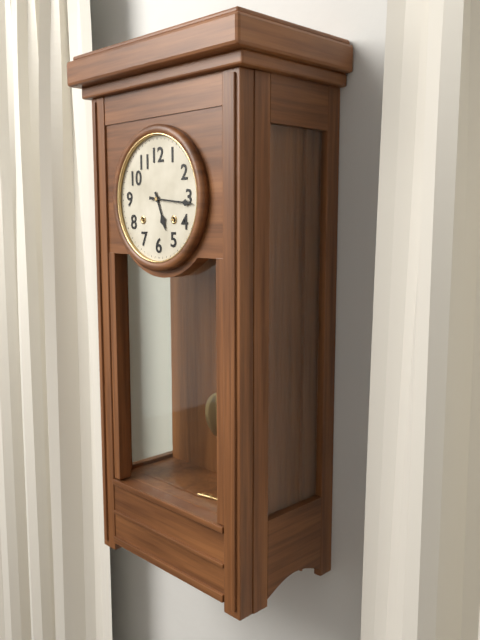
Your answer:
5 h 16 min
